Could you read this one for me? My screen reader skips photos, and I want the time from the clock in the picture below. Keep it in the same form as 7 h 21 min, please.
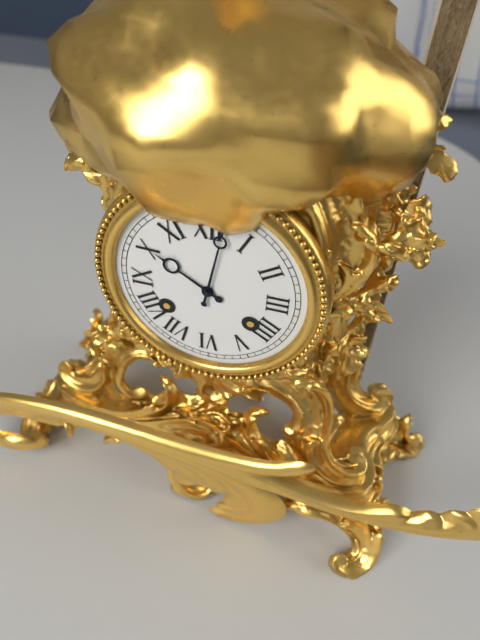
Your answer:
10 h 02 min
